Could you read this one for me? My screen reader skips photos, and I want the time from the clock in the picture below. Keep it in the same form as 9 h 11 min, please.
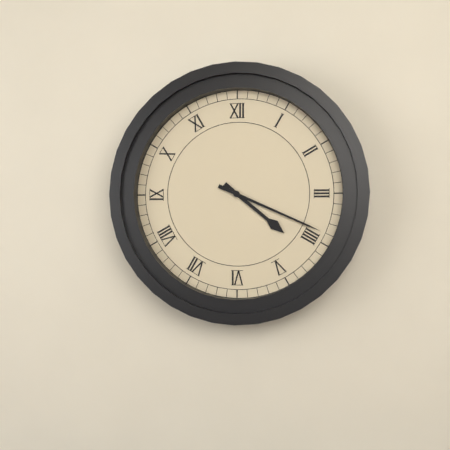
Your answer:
4 h 19 min
